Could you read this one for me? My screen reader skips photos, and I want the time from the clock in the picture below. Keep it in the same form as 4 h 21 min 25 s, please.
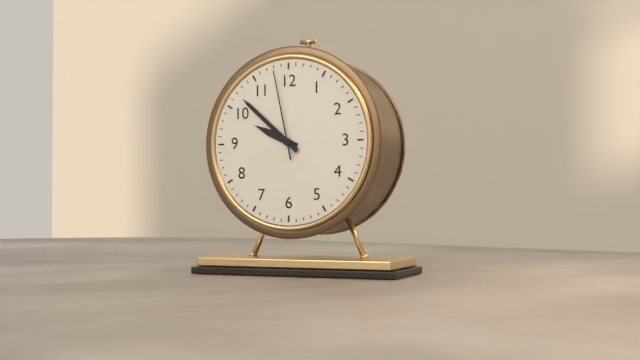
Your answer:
9 h 52 min 58 s
